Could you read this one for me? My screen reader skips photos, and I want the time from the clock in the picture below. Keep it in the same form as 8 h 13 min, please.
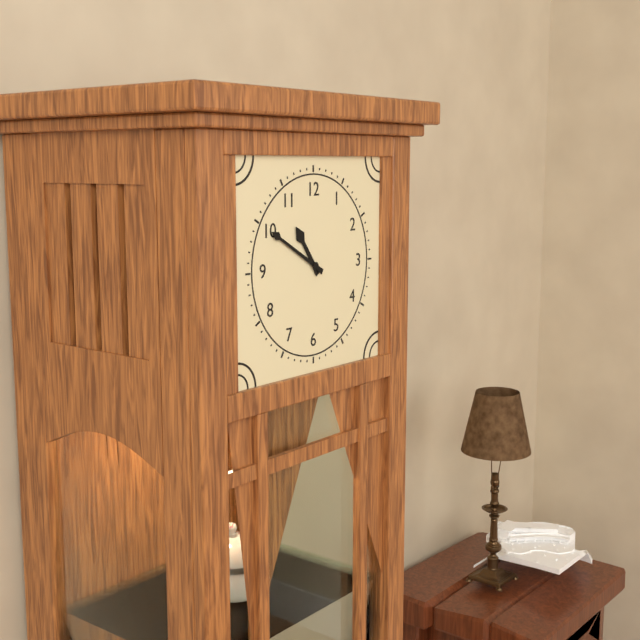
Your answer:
10 h 50 min
